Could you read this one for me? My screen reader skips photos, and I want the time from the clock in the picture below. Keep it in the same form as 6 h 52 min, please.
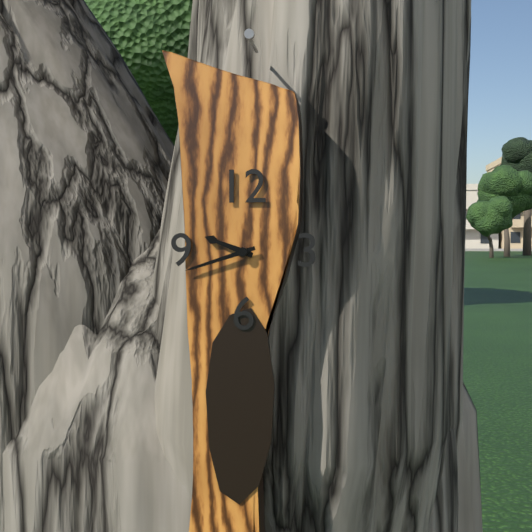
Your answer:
9 h 42 min
